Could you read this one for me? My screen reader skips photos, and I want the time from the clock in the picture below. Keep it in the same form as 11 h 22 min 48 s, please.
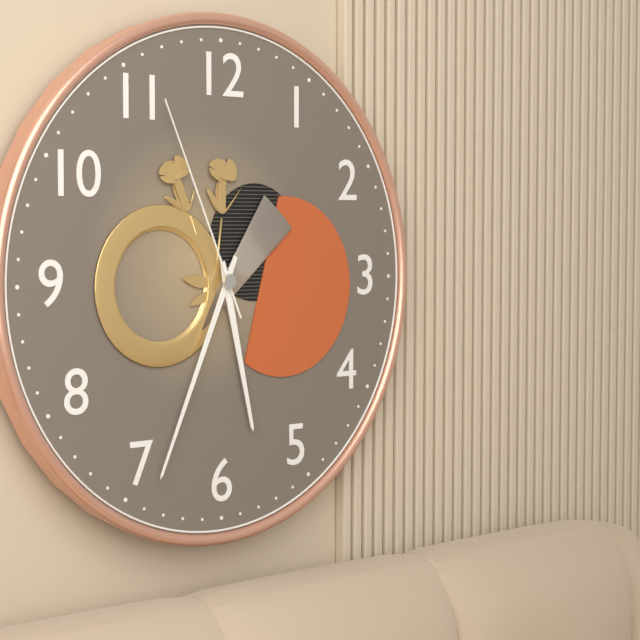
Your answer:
5 h 34 min 56 s
